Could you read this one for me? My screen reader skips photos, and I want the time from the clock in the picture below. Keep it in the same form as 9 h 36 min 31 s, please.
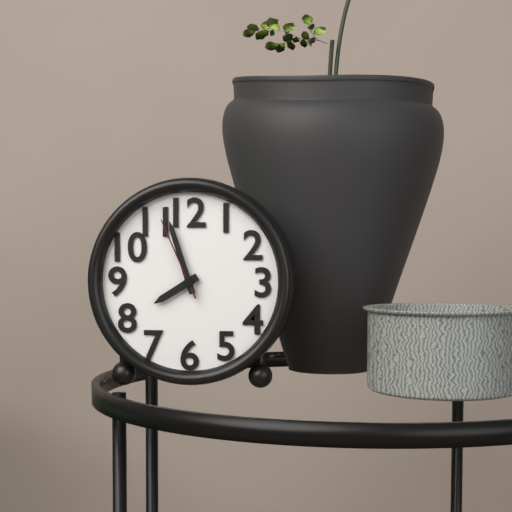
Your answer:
7 h 57 min 56 s
